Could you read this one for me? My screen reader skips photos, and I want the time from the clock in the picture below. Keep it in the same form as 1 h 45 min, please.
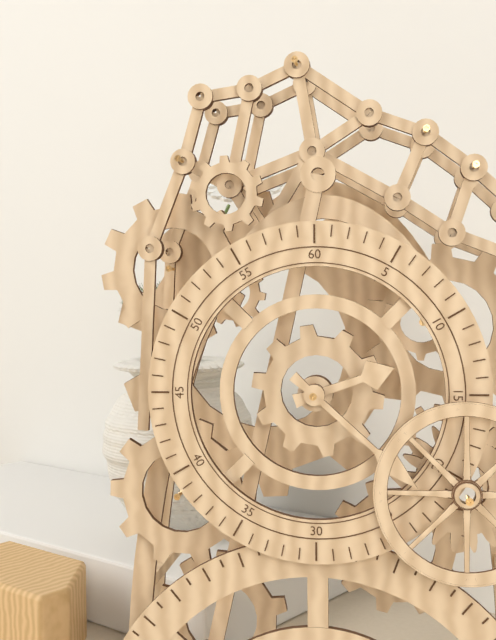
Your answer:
2 h 22 min
